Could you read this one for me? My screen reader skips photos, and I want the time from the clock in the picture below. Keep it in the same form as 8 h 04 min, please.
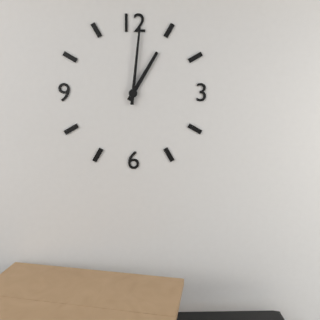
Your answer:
1 h 01 min
